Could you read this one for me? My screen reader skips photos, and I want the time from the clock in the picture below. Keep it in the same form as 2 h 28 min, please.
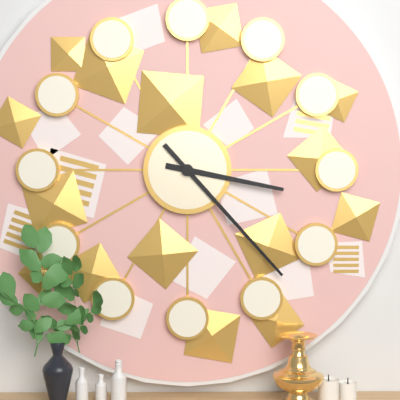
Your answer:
3 h 23 min
